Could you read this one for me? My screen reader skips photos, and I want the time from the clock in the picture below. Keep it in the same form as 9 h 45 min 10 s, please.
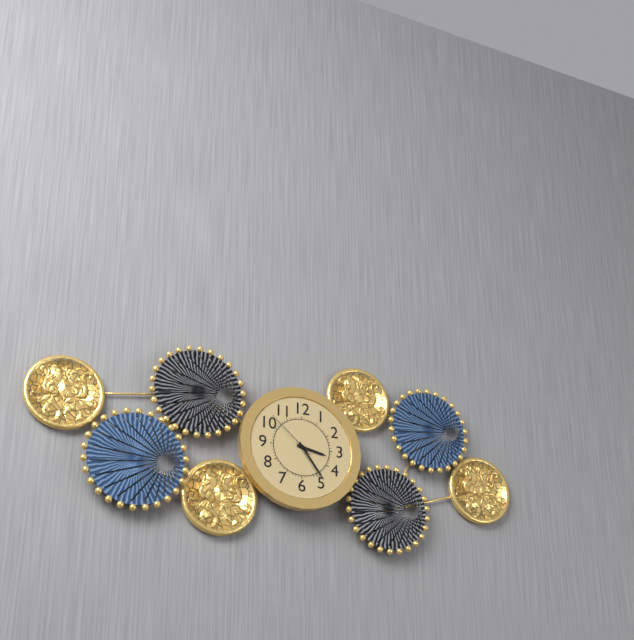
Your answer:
3 h 24 min 52 s
